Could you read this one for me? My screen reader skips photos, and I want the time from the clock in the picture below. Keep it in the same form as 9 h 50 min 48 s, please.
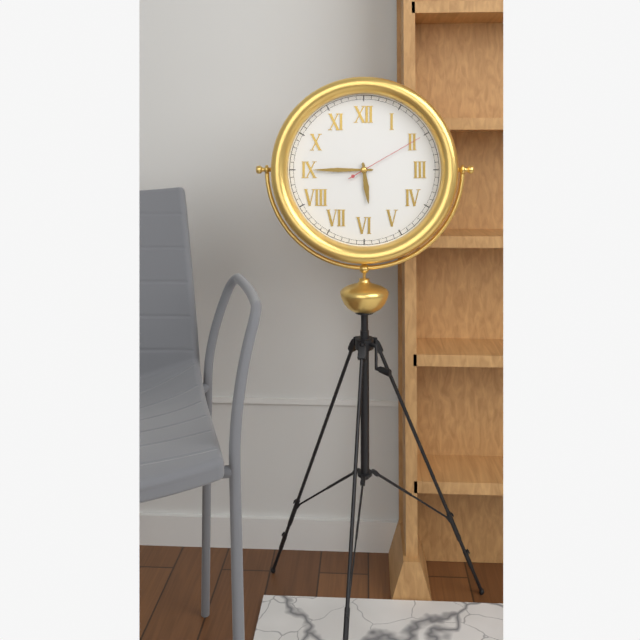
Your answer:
5 h 45 min 10 s
